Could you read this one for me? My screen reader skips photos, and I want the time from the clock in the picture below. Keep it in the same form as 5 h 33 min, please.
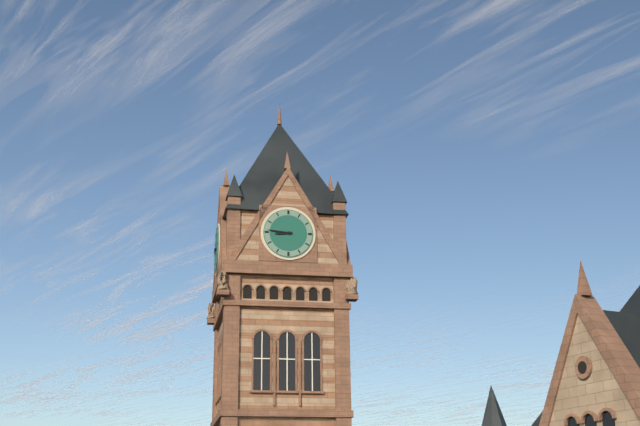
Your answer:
8 h 46 min
